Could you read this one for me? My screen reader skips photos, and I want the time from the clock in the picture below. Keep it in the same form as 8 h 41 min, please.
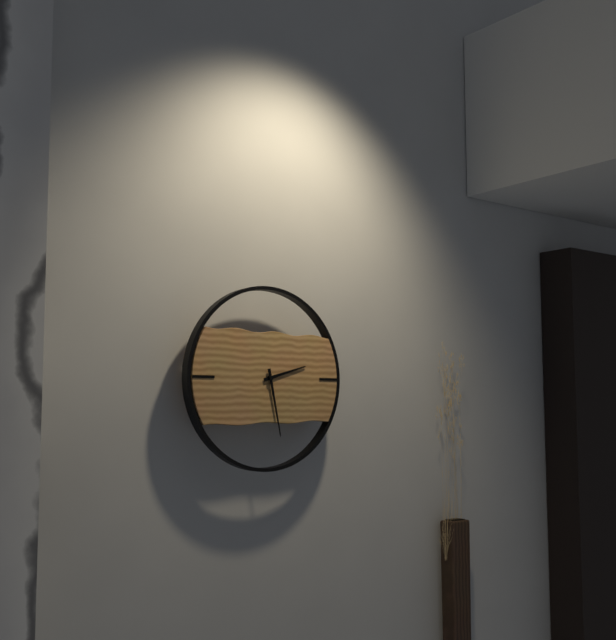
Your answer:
2 h 28 min
